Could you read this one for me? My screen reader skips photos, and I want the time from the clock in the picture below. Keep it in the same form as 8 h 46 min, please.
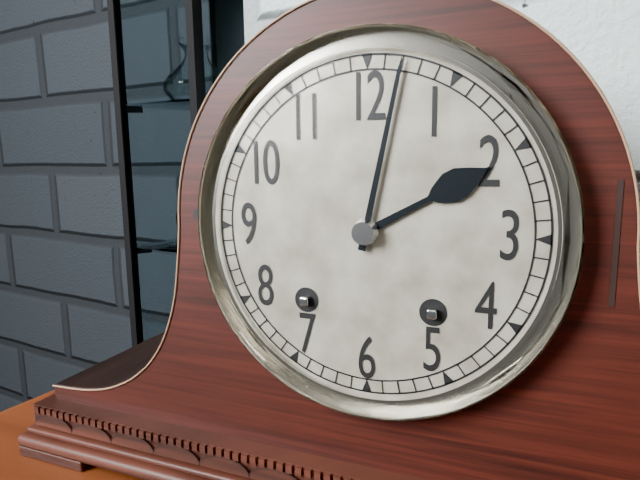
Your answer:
2 h 02 min
